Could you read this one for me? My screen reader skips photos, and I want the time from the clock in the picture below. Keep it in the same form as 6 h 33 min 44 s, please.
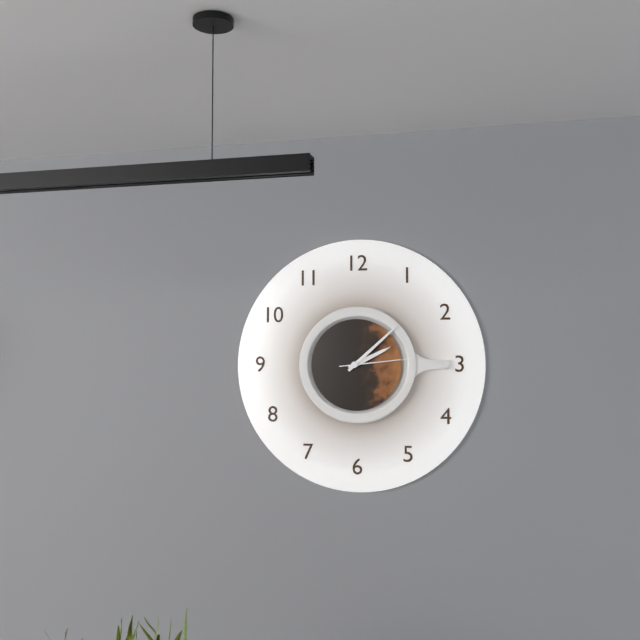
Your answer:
2 h 08 min 14 s
